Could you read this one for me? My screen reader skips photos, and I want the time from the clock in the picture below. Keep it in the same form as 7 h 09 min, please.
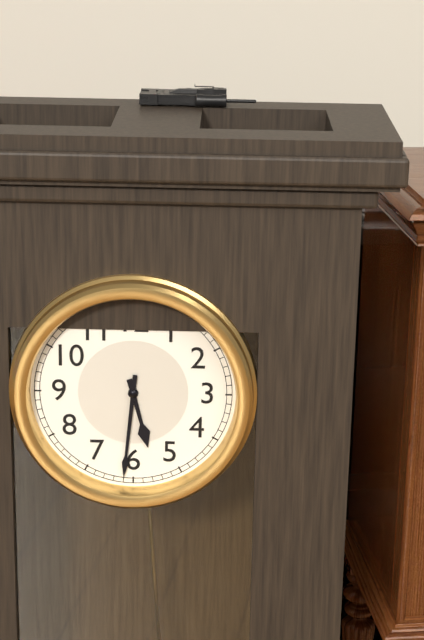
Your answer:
5 h 31 min
